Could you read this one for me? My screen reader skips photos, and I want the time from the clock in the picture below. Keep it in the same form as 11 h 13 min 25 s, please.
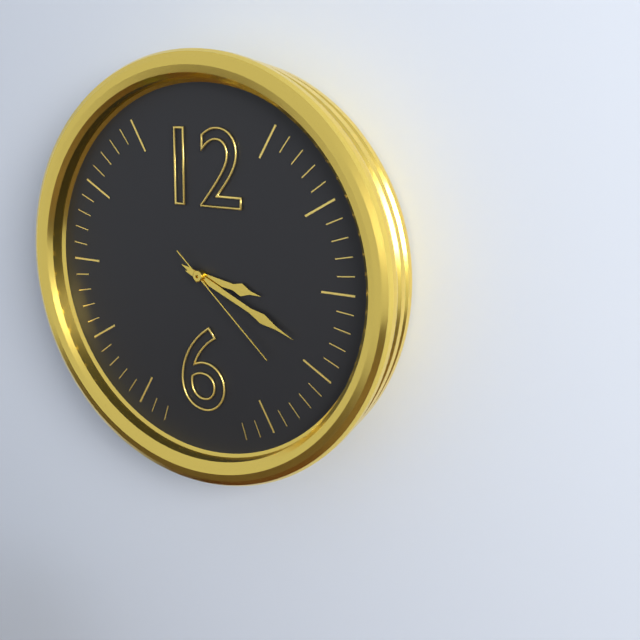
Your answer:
3 h 19 min 22 s
